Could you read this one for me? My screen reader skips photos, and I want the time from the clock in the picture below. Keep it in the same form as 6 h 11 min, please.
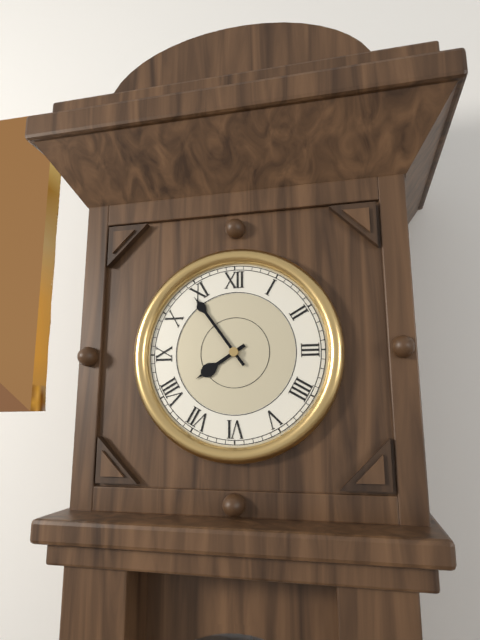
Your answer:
7 h 54 min
